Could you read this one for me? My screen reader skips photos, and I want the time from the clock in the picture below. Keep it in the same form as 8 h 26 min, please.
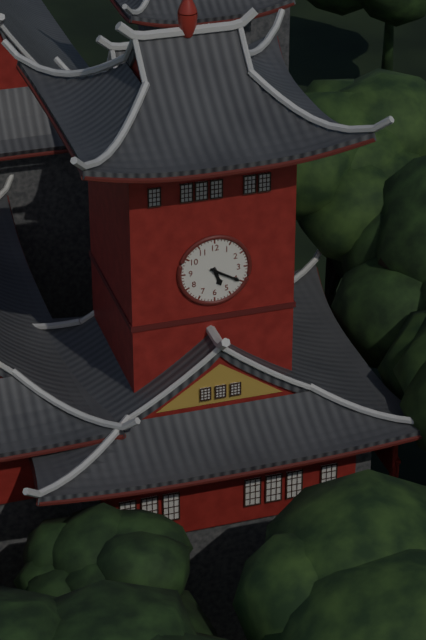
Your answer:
5 h 20 min
